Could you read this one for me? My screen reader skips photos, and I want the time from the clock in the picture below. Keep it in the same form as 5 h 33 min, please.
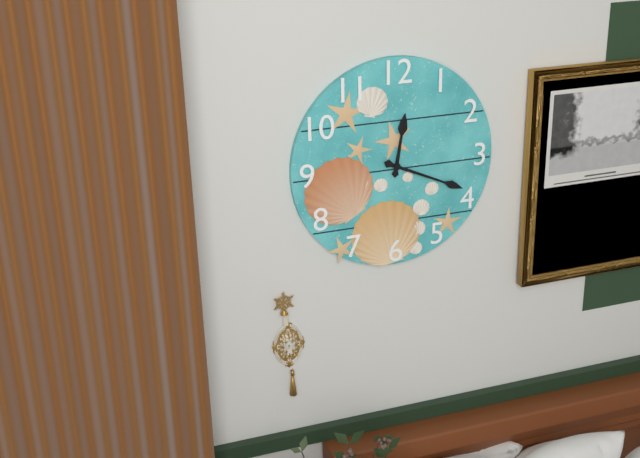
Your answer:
12 h 19 min
